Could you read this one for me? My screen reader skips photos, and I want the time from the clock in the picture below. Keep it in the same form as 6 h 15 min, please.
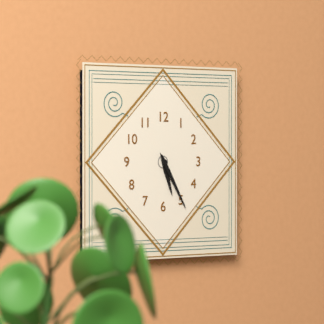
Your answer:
5 h 25 min
